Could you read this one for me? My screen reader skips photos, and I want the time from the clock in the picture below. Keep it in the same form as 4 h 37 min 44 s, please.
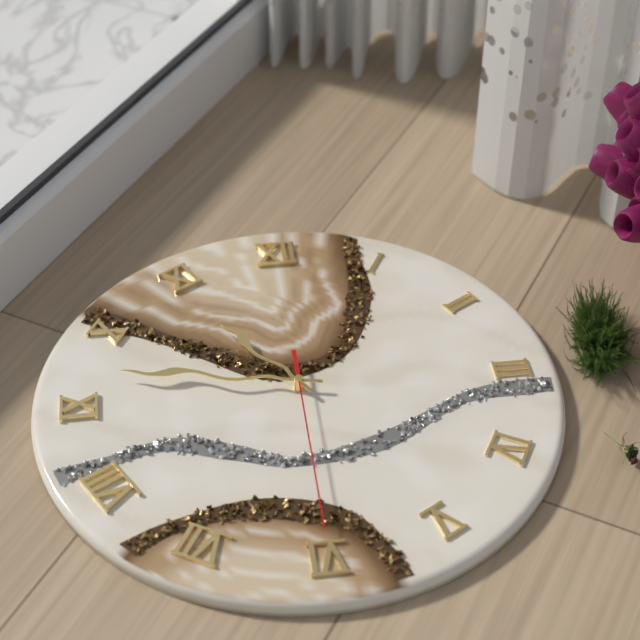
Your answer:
10 h 47 min 30 s
